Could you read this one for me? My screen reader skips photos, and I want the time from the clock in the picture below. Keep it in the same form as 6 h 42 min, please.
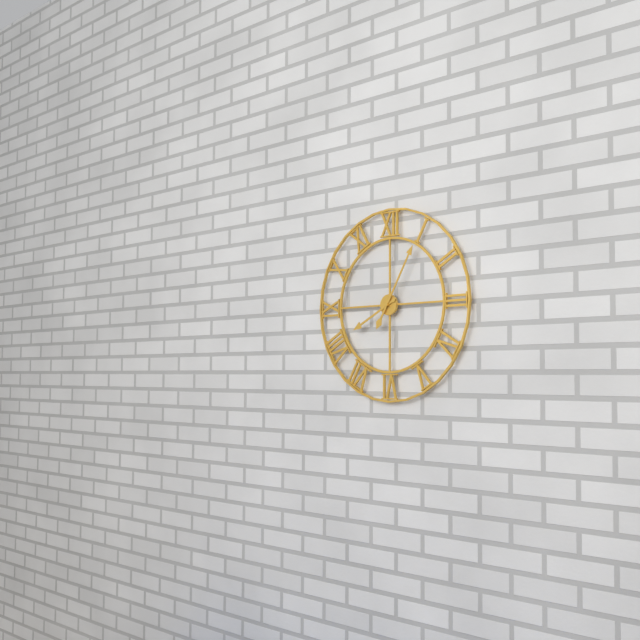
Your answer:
8 h 05 min
